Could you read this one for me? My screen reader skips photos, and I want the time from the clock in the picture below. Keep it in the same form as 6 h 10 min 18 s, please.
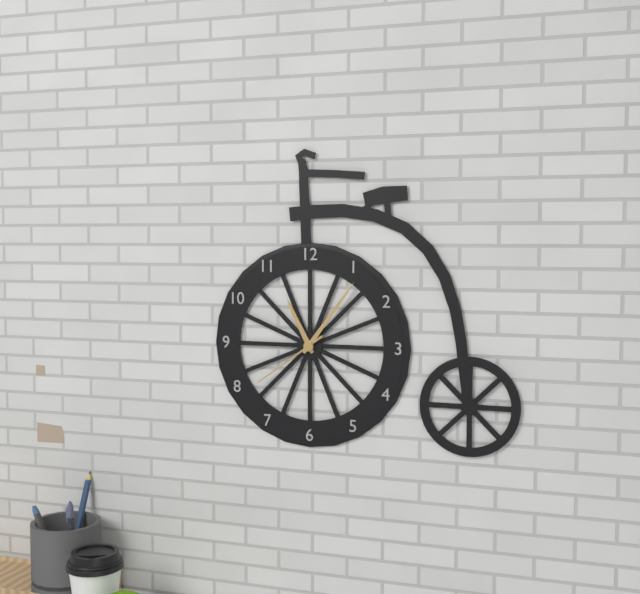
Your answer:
11 h 06 min 39 s
